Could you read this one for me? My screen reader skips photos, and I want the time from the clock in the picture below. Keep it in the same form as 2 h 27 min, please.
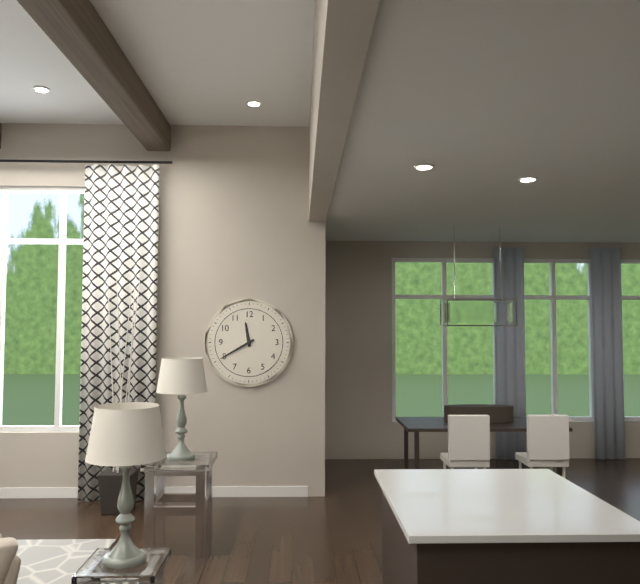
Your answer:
11 h 40 min
